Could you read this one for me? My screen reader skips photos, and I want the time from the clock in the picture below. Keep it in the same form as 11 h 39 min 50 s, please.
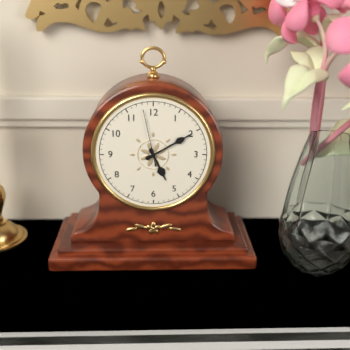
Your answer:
5 h 10 min 58 s
